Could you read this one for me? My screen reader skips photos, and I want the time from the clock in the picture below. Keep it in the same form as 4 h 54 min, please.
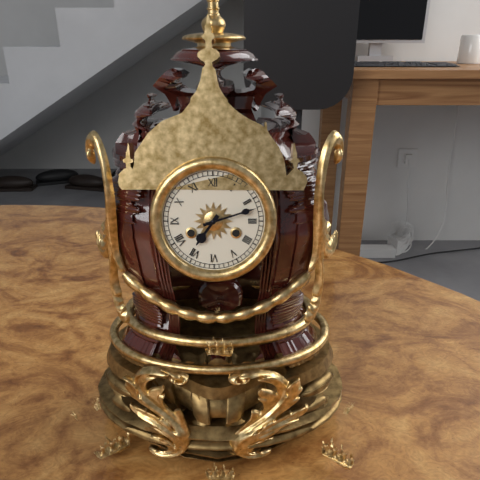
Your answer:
7 h 12 min
